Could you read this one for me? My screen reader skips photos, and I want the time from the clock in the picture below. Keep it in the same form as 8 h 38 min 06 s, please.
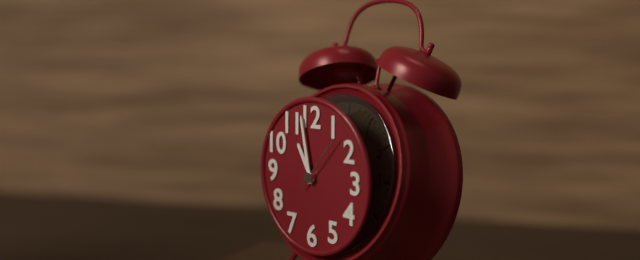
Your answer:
10 h 58 min 07 s
